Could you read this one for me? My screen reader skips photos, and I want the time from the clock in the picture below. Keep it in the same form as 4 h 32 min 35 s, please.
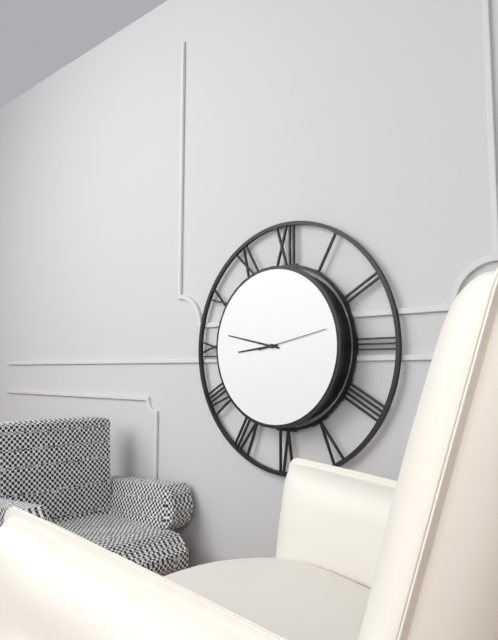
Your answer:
8 h 47 min 13 s
